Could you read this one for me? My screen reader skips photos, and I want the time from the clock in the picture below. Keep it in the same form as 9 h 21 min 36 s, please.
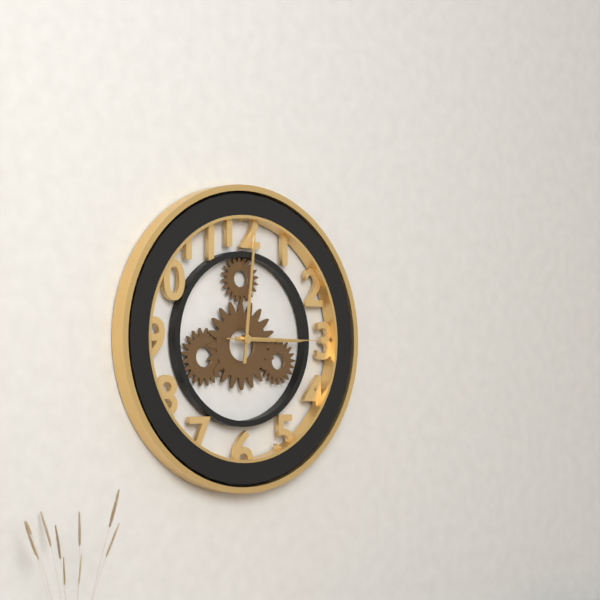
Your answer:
3 h 01 min 15 s
